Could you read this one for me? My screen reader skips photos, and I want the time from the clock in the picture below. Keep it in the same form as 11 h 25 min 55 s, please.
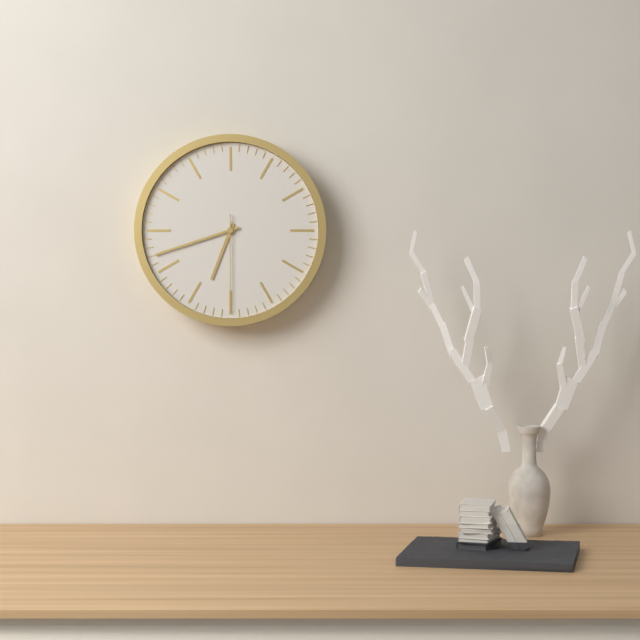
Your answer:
6 h 42 min 30 s
